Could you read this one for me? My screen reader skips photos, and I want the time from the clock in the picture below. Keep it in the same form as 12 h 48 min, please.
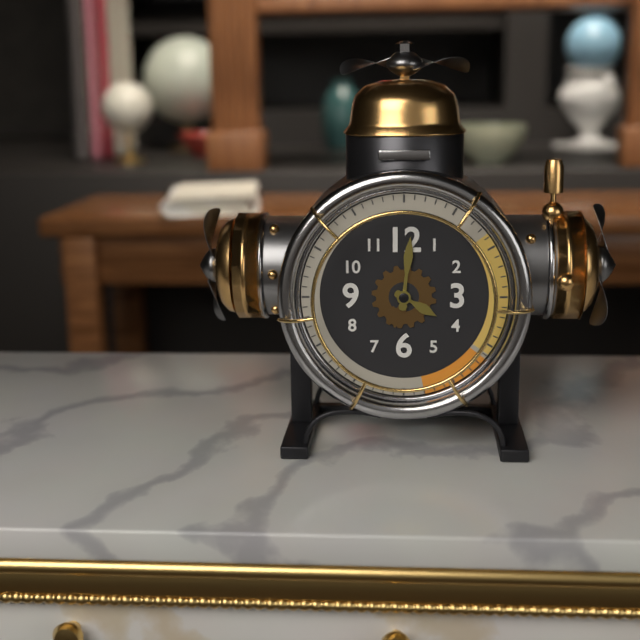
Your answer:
4 h 01 min
